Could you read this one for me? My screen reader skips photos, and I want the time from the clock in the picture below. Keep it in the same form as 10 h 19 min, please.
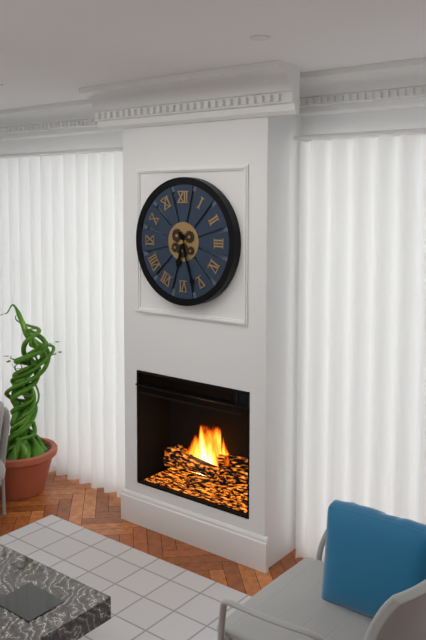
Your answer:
6 h 27 min
